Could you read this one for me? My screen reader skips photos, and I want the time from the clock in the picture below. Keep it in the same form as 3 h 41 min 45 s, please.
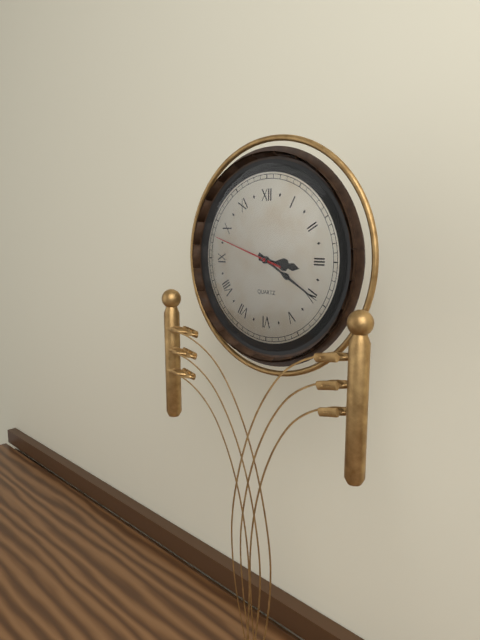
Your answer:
3 h 20 min 48 s
